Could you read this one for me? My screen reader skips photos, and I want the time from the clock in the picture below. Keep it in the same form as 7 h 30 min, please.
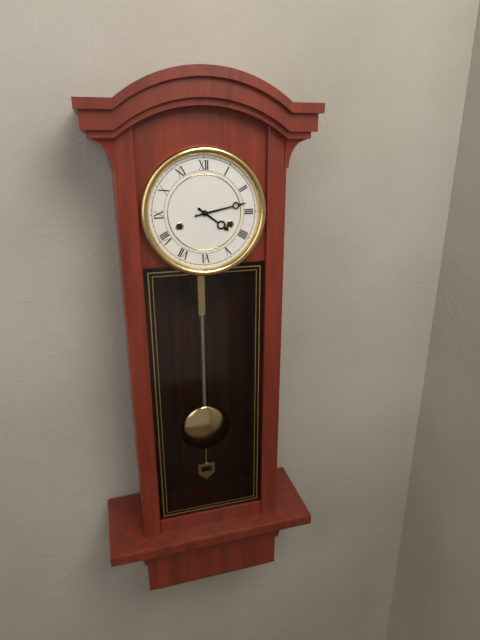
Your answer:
4 h 13 min
